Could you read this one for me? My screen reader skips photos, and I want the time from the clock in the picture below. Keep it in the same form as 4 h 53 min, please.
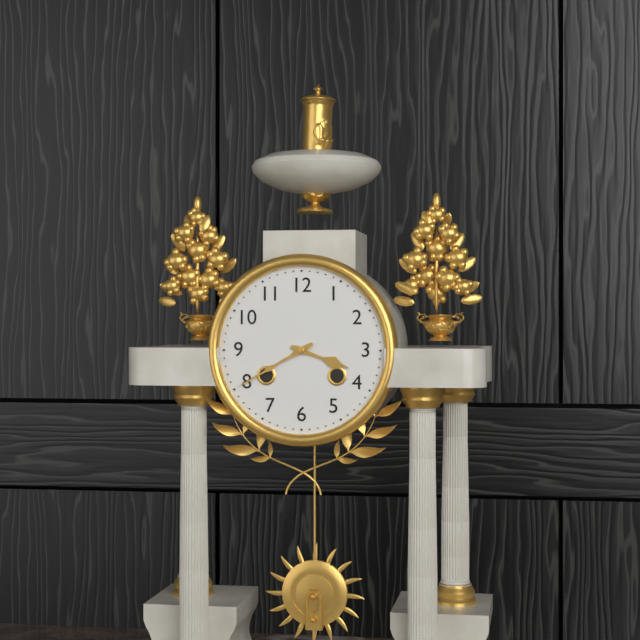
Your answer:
3 h 40 min
